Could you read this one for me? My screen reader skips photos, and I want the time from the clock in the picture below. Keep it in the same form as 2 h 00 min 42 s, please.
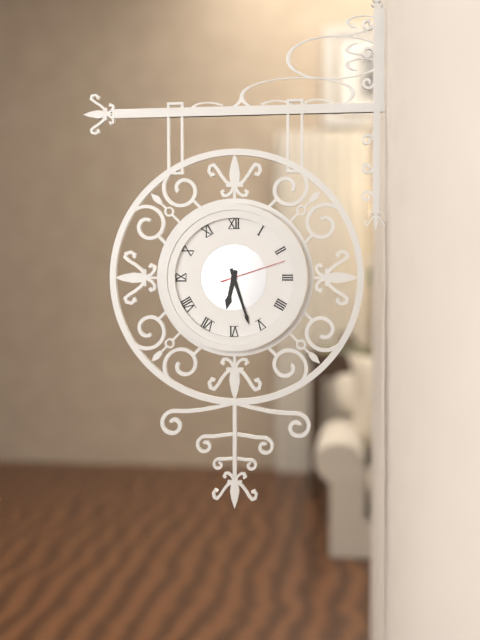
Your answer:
6 h 27 min 12 s
